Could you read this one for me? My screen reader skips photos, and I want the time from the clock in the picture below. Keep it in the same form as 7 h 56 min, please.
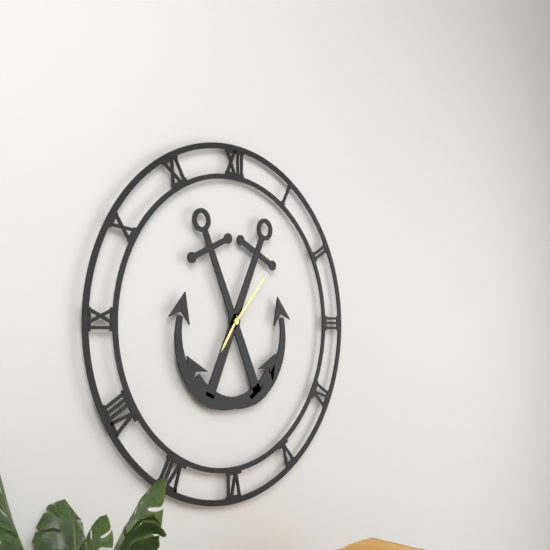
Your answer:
7 h 07 min
